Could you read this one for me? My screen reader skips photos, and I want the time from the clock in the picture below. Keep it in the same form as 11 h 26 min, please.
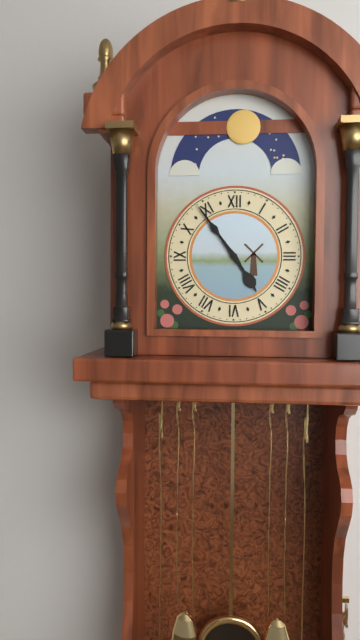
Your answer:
4 h 54 min
